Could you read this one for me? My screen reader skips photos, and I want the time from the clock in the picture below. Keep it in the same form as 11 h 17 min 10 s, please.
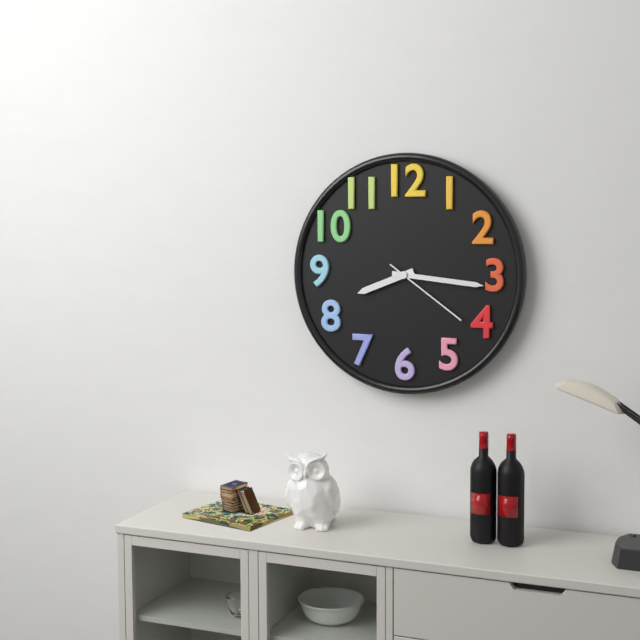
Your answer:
8 h 16 min 21 s
